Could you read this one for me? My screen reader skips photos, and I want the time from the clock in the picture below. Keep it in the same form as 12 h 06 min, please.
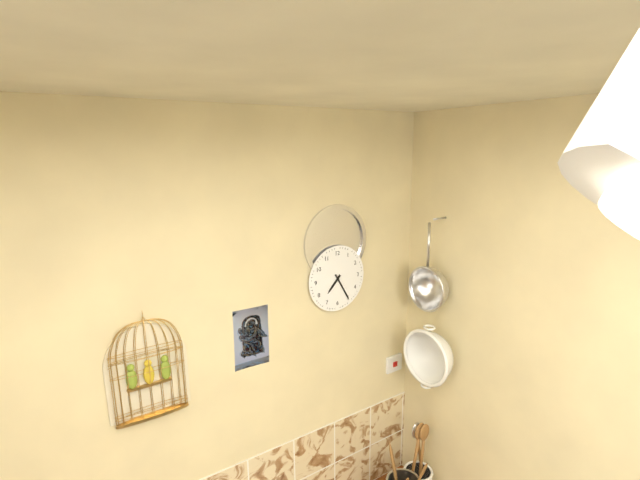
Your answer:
7 h 25 min
